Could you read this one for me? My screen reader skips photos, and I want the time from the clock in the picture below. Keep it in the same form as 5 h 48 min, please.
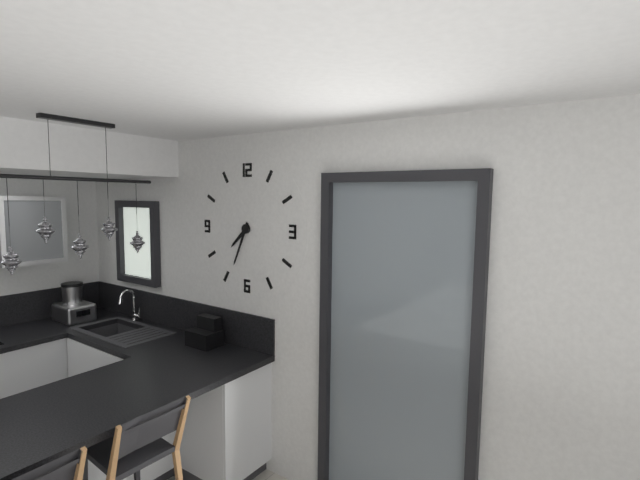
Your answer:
7 h 34 min
